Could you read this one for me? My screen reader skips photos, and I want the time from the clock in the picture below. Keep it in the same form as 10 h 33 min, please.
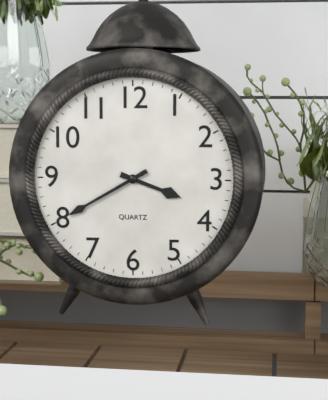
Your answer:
3 h 40 min
